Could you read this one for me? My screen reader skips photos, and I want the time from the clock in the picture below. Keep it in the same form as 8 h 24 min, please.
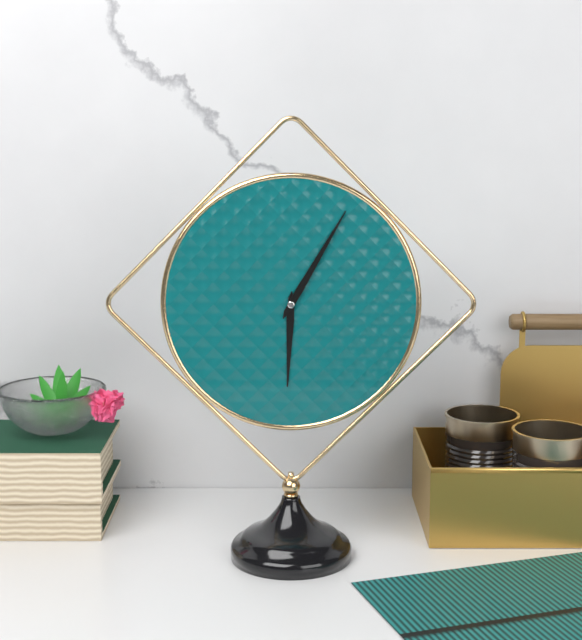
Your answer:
6 h 05 min
